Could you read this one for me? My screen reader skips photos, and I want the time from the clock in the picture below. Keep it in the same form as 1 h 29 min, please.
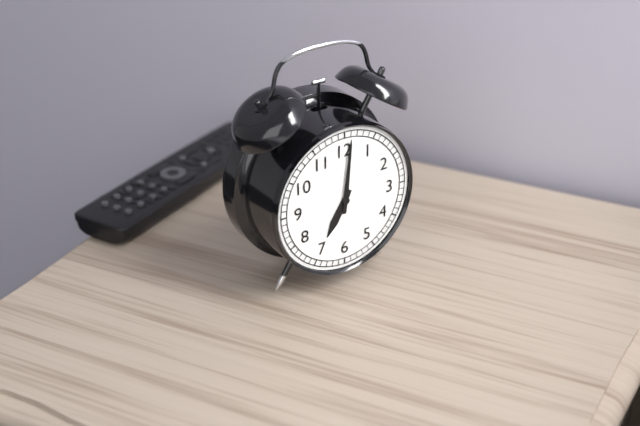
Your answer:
7 h 01 min
